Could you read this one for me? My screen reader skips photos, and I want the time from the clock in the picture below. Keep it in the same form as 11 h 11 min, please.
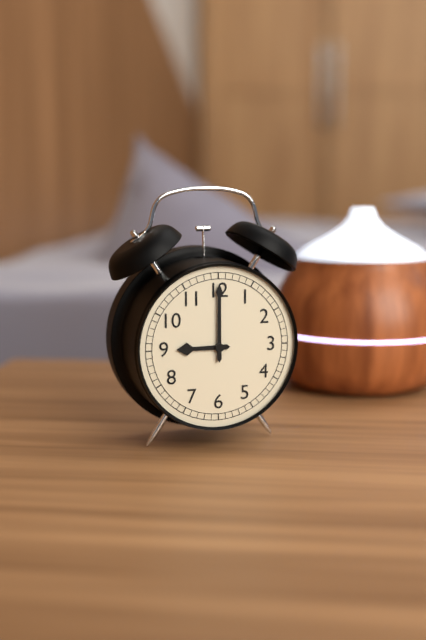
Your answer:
9 h 00 min
